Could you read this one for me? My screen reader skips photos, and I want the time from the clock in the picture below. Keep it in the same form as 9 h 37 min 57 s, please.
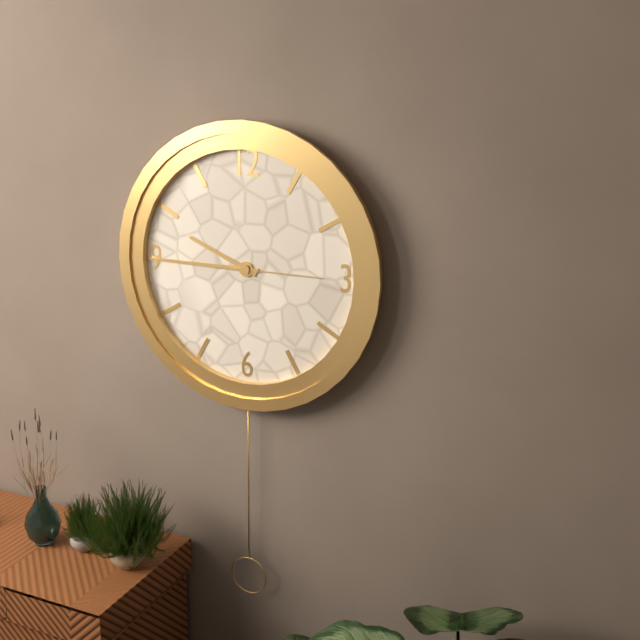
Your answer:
9 h 45 min 15 s
